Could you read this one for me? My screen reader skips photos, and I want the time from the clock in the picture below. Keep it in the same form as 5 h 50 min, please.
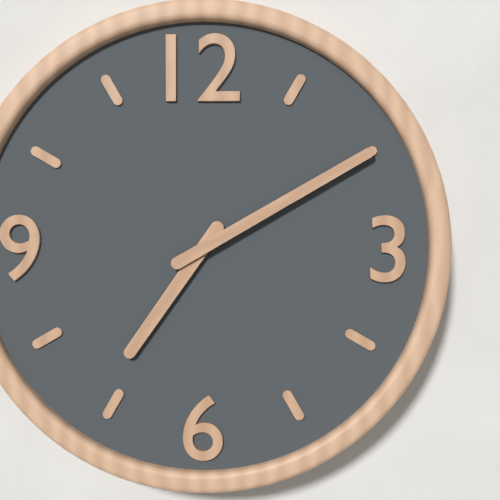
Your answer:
7 h 10 min
